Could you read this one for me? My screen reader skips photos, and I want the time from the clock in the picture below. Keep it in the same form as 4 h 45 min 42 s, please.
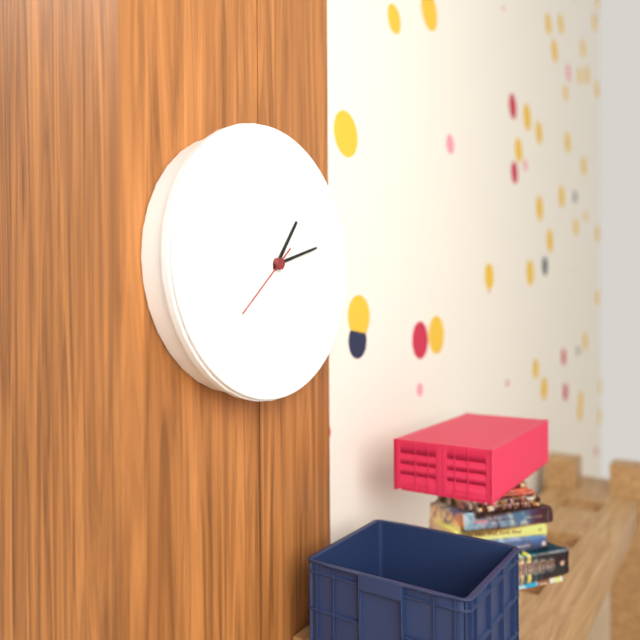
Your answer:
1 h 12 min 38 s
